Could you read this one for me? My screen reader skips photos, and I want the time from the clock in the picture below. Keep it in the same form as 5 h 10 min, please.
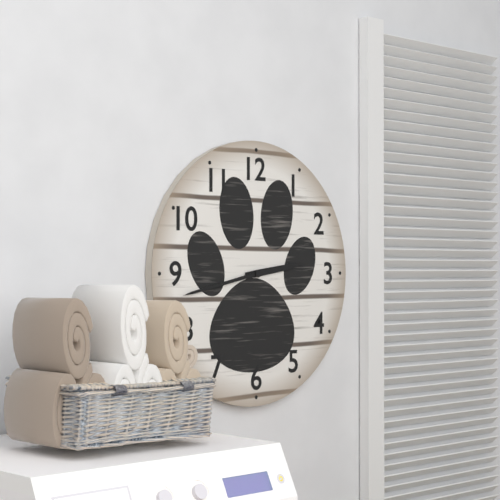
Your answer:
2 h 43 min
